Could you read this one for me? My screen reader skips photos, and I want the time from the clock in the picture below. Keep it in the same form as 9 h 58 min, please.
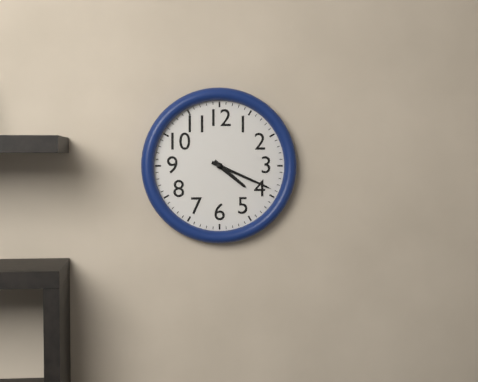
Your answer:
4 h 19 min
